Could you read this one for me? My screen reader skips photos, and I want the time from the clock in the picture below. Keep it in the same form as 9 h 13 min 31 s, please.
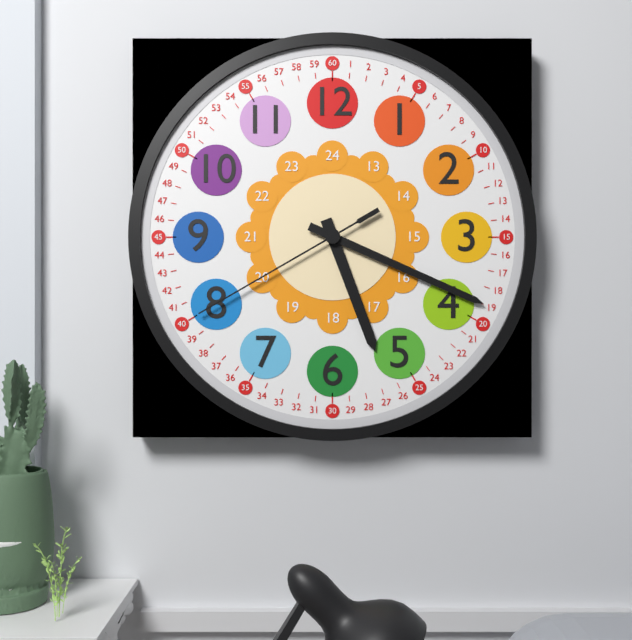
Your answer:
5 h 19 min 40 s
